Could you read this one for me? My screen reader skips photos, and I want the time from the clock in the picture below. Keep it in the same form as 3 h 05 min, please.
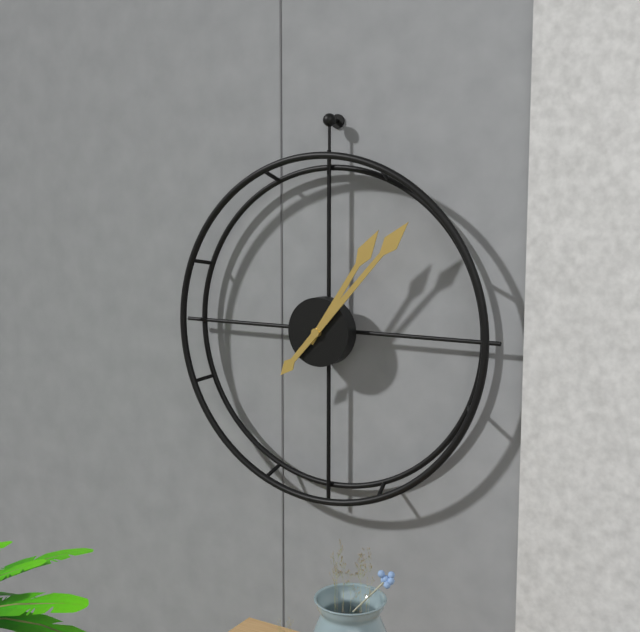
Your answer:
1 h 07 min
